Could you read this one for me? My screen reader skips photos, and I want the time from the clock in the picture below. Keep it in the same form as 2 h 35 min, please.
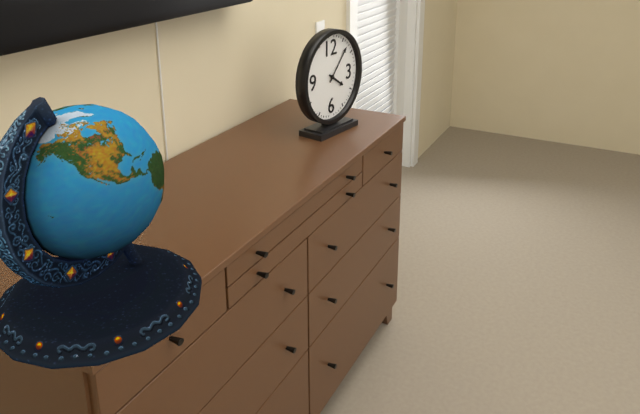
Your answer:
4 h 07 min
